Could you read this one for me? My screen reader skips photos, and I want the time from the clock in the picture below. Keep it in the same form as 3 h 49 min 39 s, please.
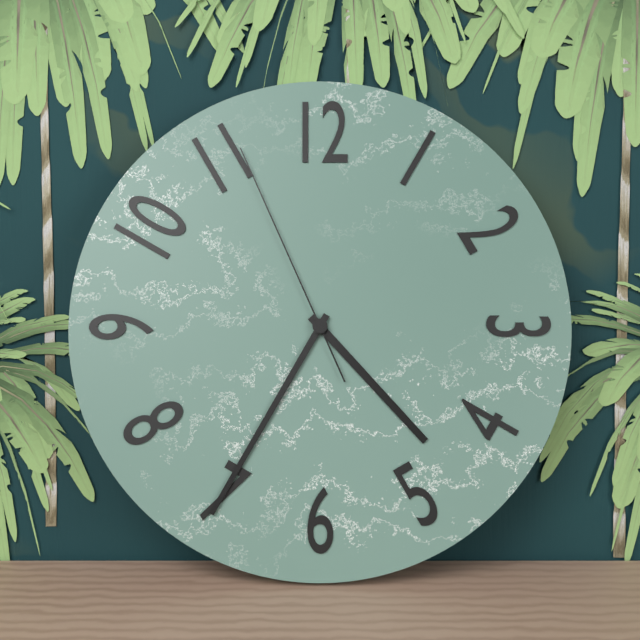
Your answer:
4 h 35 min 56 s
